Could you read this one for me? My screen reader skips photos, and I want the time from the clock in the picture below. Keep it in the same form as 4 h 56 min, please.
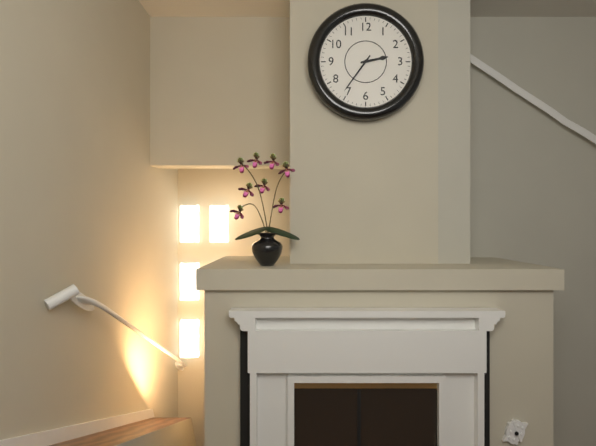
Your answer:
2 h 36 min
